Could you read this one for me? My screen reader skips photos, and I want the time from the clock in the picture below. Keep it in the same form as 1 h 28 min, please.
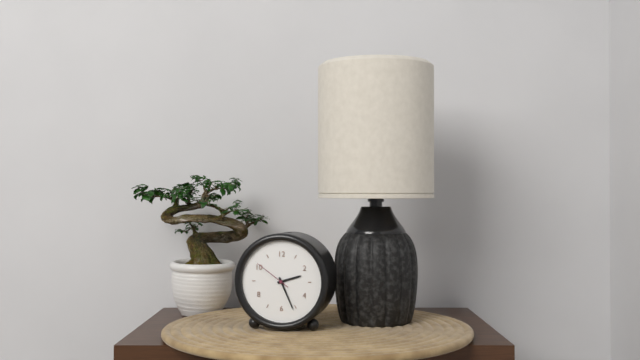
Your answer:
2 h 26 min
